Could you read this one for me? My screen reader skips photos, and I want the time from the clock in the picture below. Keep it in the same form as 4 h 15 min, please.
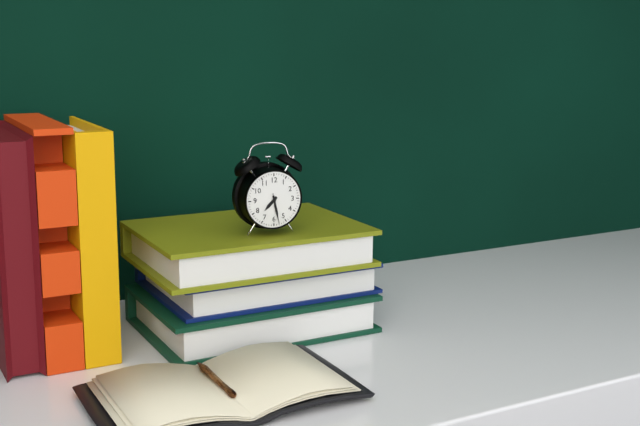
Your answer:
7 h 28 min
